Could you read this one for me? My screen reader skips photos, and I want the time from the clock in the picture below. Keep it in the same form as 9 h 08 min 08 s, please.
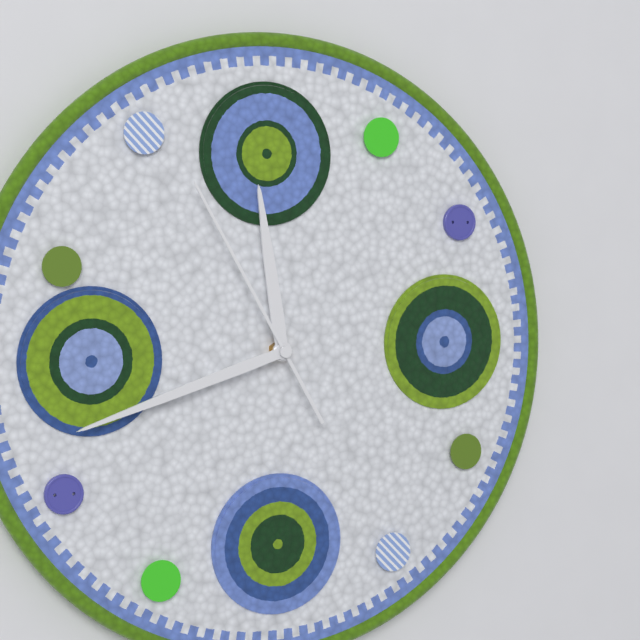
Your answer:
11 h 42 min 55 s
